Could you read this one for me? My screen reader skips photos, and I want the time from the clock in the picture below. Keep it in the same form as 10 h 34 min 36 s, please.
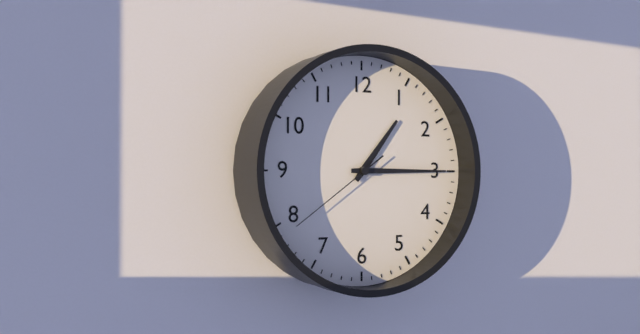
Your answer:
1 h 15 min 39 s
